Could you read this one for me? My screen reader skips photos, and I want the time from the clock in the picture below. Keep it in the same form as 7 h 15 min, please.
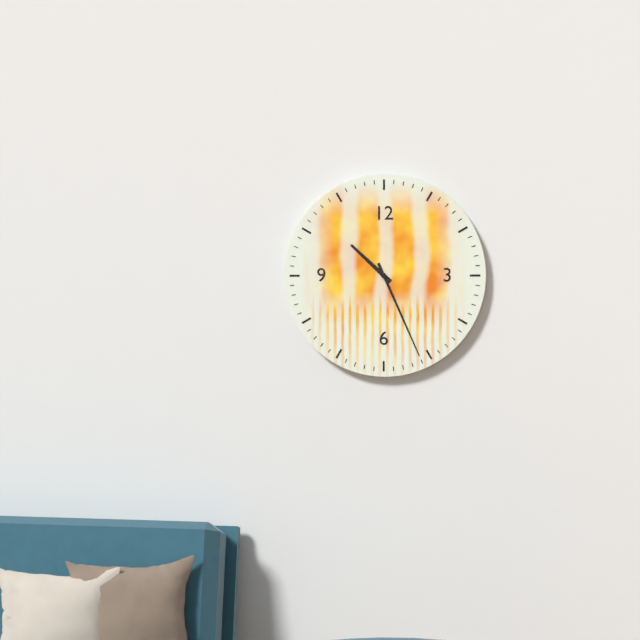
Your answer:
10 h 26 min
